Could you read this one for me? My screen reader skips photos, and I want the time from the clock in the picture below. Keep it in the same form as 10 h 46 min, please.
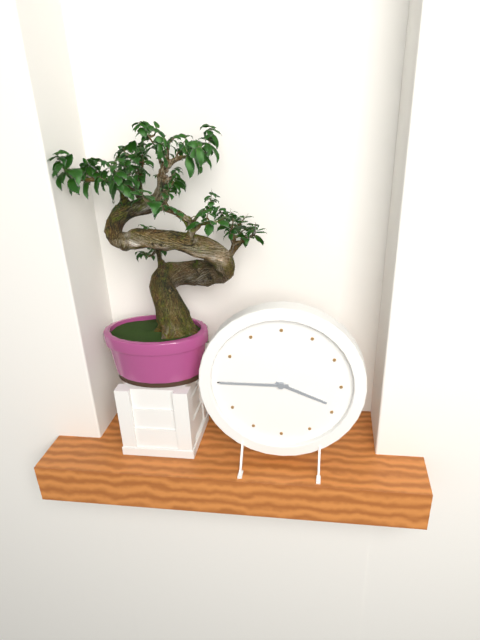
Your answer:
3 h 45 min
